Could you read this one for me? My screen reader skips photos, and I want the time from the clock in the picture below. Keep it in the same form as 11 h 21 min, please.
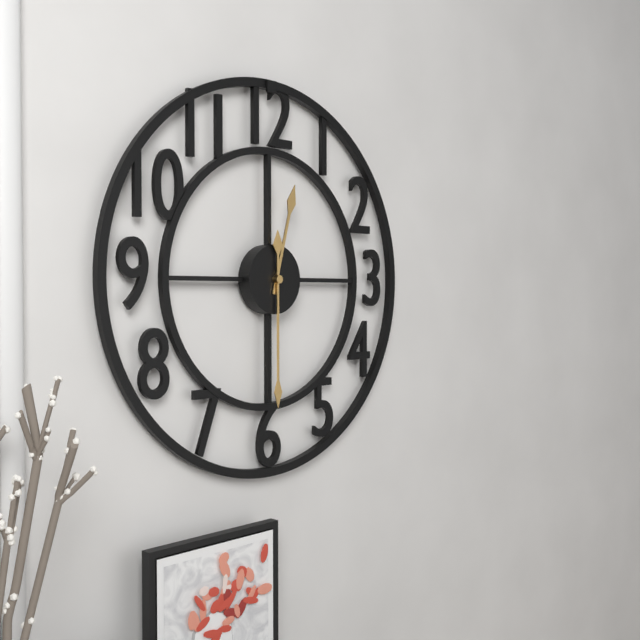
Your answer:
12 h 30 min
